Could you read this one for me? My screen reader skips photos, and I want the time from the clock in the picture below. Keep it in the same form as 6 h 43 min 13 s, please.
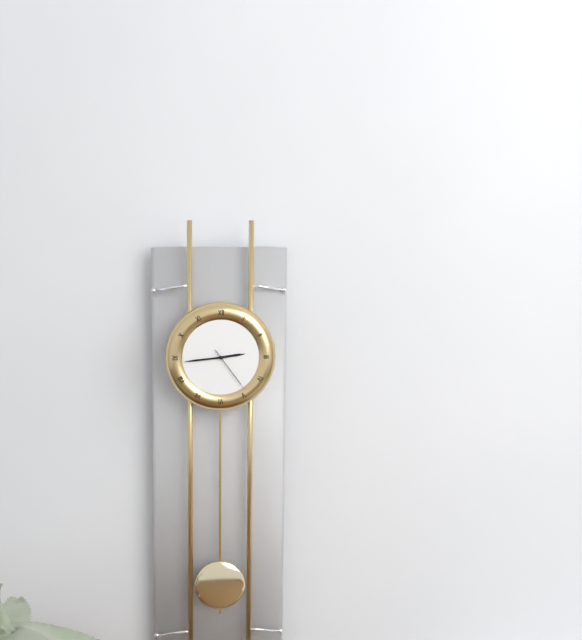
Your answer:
2 h 44 min 24 s
